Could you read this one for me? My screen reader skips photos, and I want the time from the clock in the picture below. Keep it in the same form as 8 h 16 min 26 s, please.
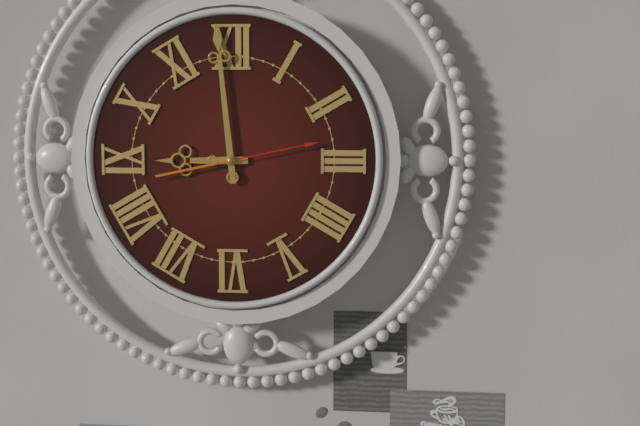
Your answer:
8 h 59 min 13 s
